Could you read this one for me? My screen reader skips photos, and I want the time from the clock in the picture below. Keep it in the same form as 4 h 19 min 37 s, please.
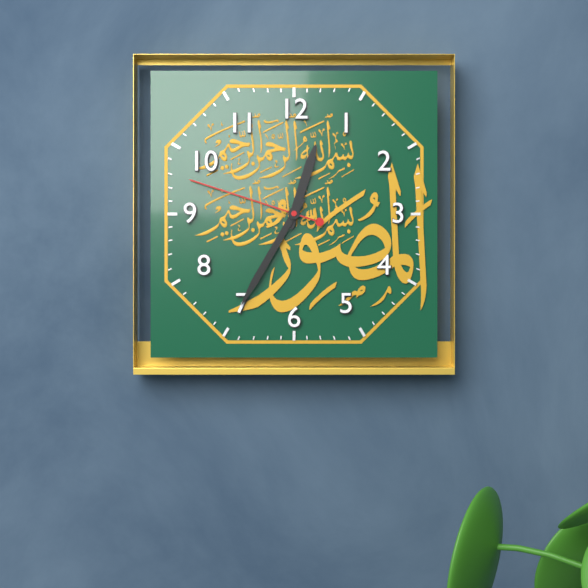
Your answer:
12 h 35 min 48 s
